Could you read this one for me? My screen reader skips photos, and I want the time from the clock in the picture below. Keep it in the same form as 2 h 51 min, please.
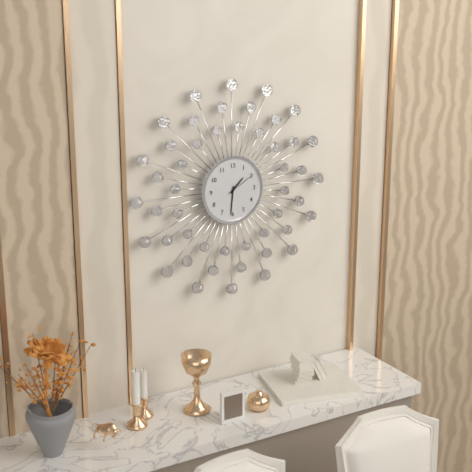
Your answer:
1 h 31 min
